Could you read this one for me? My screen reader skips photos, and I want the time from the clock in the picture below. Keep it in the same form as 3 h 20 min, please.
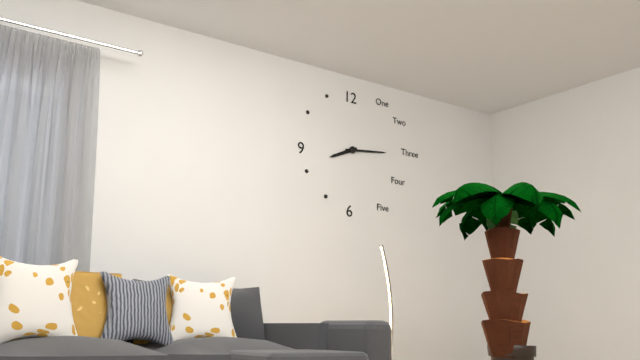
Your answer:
8 h 14 min
